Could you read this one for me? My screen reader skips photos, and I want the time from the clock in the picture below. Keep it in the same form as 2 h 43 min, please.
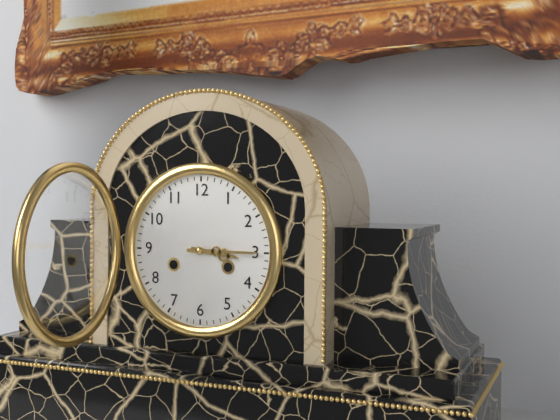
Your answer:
3 h 15 min
